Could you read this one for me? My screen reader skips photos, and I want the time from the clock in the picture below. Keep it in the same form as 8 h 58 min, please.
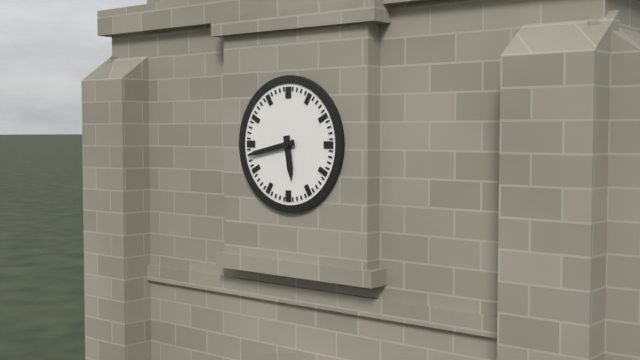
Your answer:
5 h 43 min
